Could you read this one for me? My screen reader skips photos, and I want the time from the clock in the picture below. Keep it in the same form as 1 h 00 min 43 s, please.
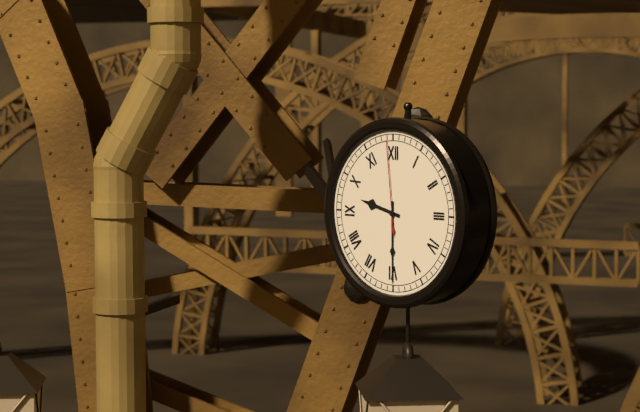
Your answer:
9 h 30 min 59 s
